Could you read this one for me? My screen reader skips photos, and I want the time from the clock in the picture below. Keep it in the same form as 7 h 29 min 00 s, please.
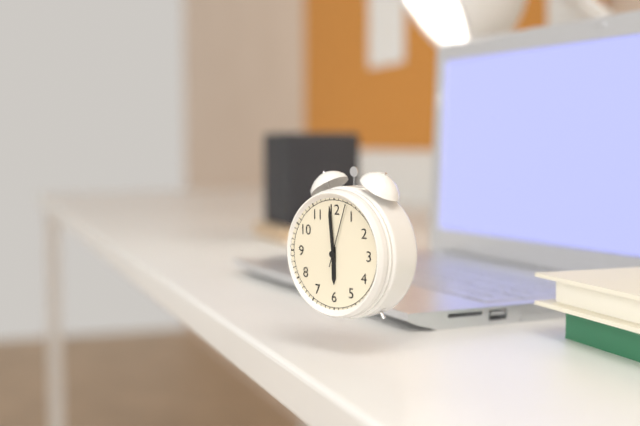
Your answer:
5 h 59 min 03 s
